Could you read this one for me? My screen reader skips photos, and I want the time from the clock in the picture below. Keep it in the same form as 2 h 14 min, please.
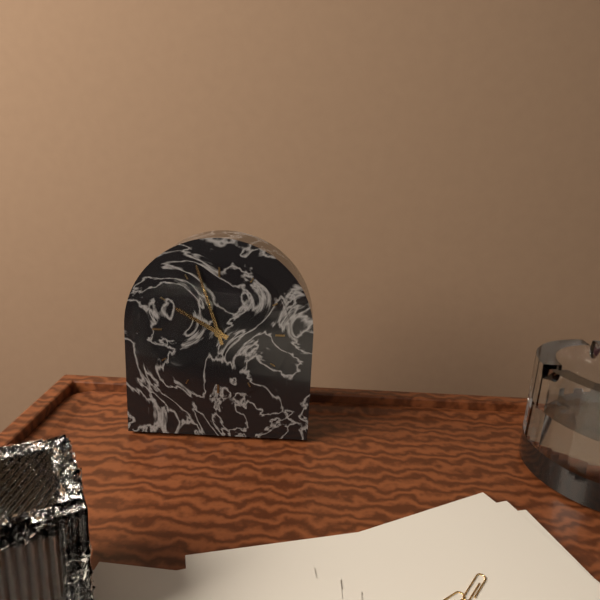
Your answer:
9 h 57 min
